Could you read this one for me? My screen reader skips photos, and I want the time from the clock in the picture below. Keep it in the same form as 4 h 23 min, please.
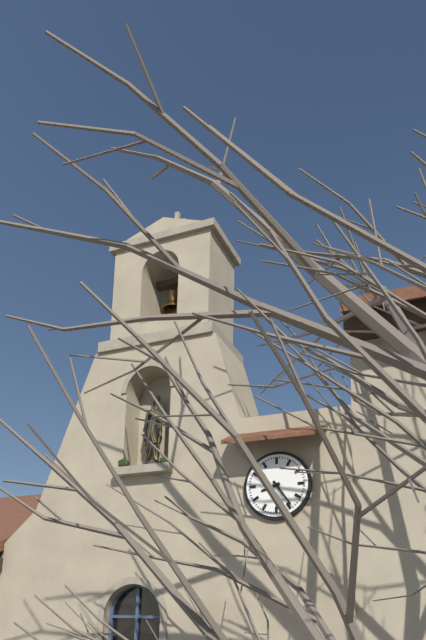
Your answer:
8 h 24 min
